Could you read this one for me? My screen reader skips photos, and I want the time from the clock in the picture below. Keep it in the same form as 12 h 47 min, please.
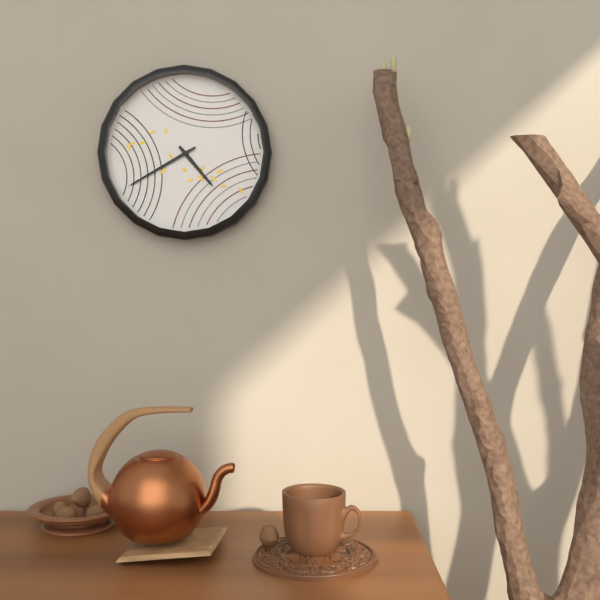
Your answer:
4 h 40 min
